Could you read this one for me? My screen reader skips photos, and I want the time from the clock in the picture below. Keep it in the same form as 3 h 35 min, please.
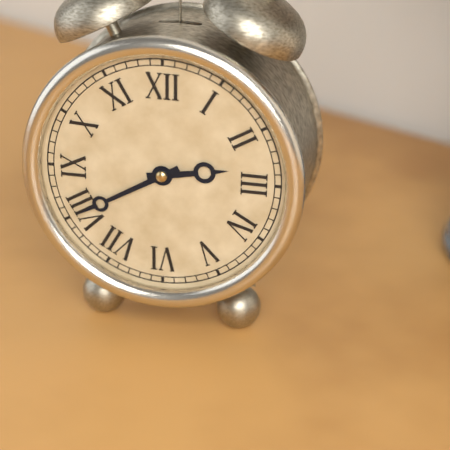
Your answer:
2 h 40 min
